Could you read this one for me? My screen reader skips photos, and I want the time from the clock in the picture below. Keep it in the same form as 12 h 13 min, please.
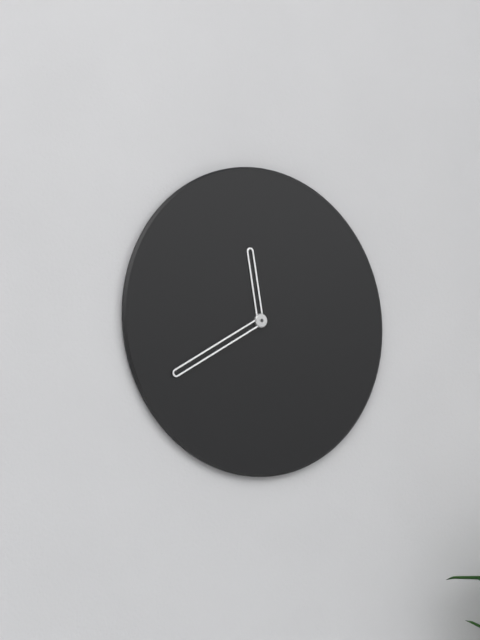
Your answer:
11 h 40 min
